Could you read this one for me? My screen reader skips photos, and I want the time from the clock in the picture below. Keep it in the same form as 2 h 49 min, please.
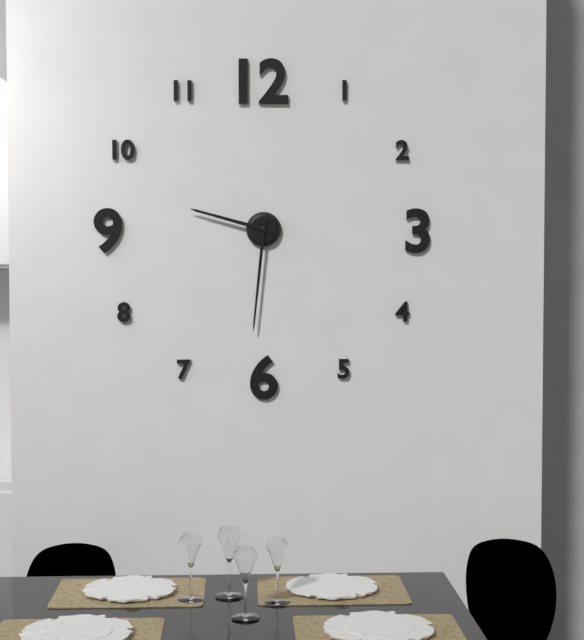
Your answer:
9 h 31 min
